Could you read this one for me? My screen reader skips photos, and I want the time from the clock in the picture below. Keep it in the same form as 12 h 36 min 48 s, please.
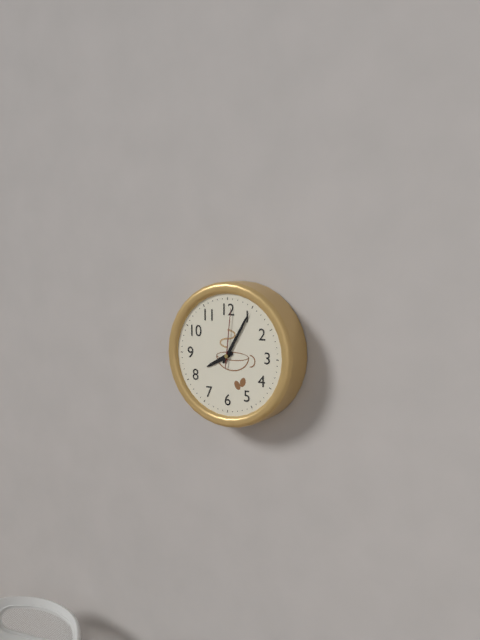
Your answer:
8 h 05 min 01 s
